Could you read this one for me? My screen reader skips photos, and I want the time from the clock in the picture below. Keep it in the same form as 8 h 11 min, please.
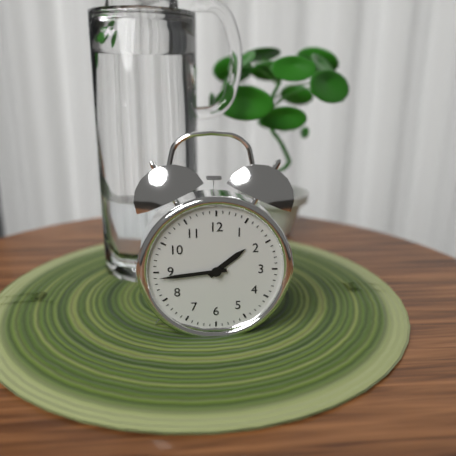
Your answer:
1 h 44 min
